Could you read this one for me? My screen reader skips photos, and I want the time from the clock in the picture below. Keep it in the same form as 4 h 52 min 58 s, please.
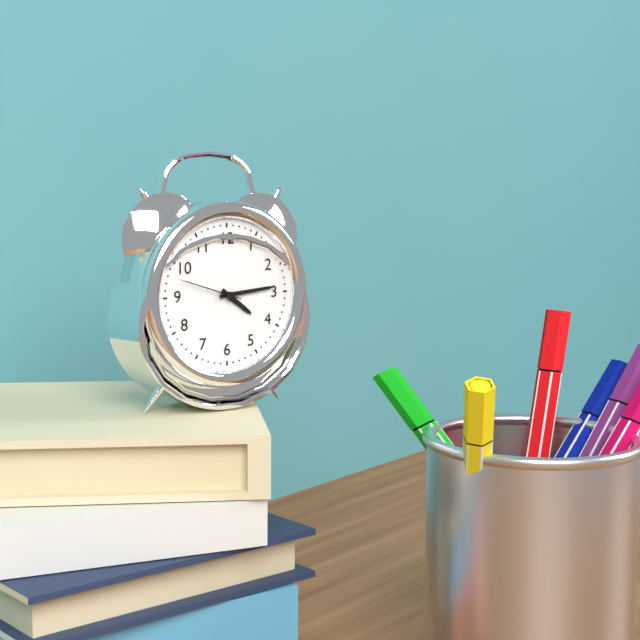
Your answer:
4 h 14 min 48 s
